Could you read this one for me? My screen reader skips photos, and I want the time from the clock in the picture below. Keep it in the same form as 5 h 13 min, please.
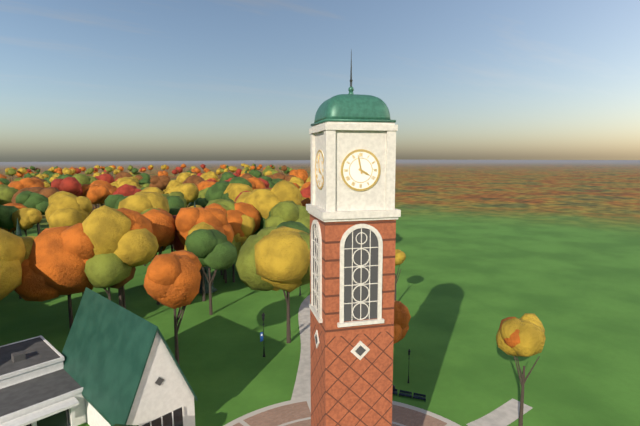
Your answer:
3 h 58 min
